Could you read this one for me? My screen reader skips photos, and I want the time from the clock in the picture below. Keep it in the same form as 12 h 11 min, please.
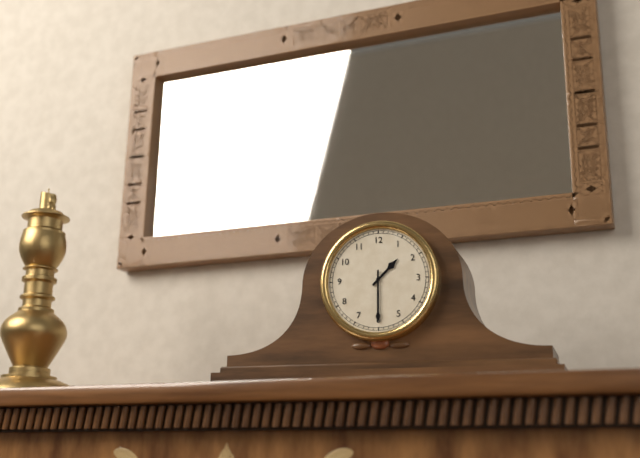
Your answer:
1 h 30 min
